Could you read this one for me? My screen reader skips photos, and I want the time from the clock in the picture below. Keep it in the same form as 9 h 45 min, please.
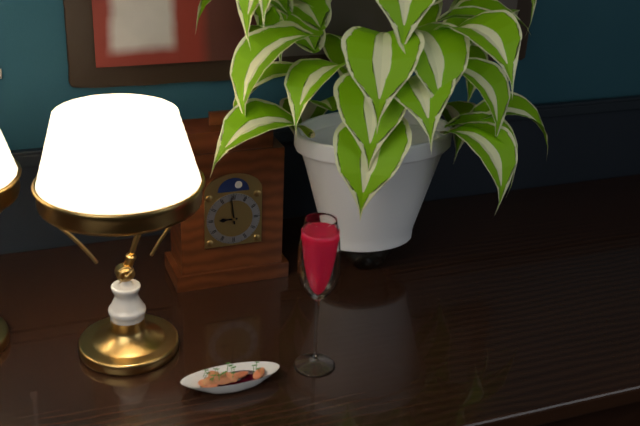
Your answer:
8 h 59 min
